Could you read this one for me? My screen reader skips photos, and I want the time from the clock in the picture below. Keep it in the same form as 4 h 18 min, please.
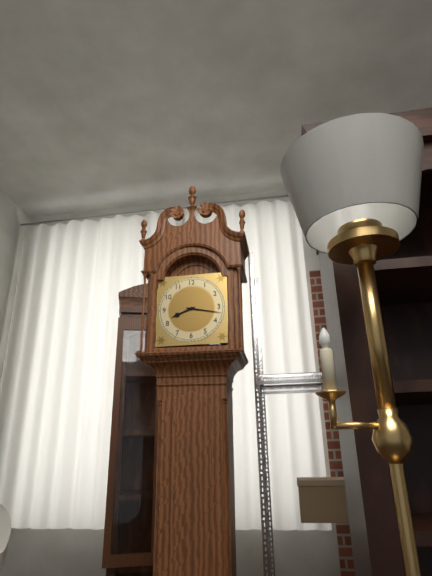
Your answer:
8 h 17 min
